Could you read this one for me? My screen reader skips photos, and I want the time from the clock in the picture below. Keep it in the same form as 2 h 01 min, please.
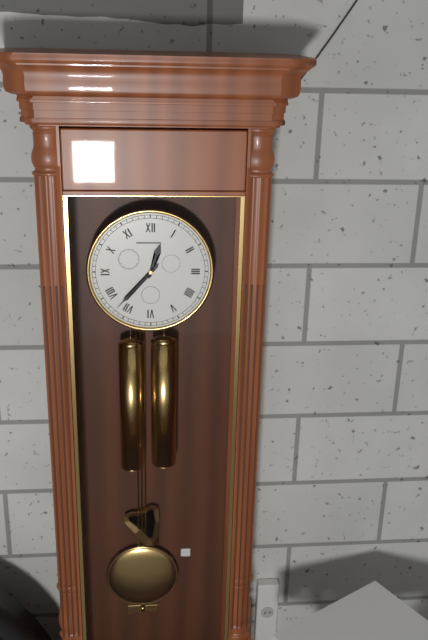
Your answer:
12 h 37 min
